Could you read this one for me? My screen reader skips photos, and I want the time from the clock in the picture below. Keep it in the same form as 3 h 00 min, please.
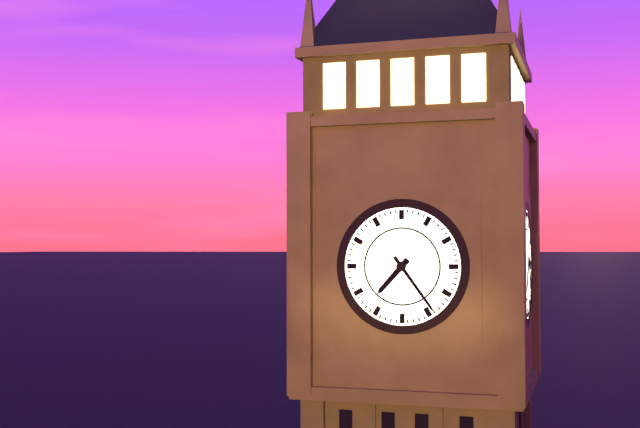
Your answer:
7 h 24 min
